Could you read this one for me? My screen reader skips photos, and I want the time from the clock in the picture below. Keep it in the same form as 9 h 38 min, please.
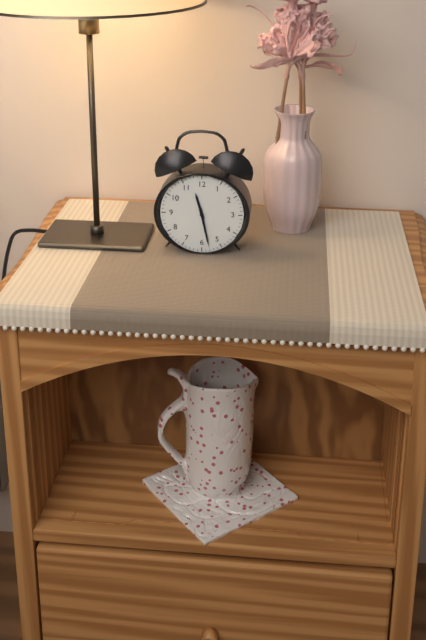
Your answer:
11 h 28 min
